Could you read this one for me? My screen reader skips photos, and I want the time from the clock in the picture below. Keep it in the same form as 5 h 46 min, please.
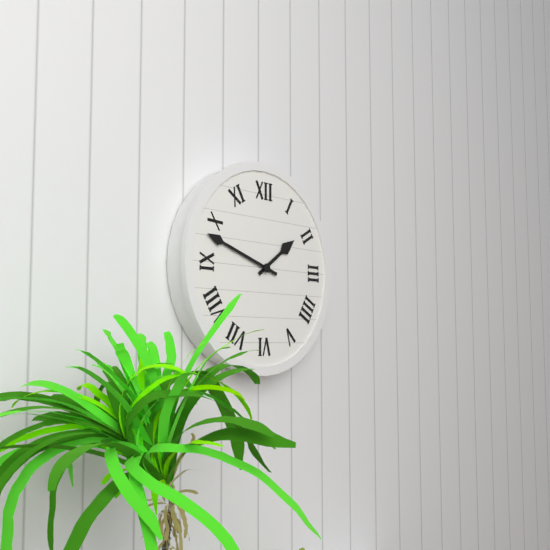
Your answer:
1 h 48 min
